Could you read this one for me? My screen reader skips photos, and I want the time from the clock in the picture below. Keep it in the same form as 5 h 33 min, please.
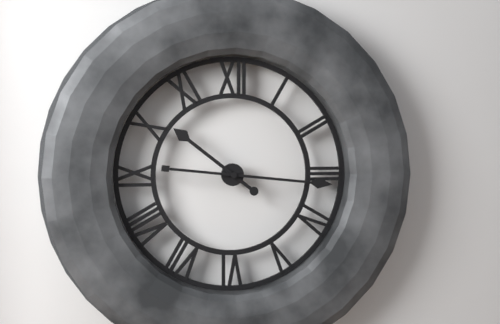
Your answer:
10 h 16 min
